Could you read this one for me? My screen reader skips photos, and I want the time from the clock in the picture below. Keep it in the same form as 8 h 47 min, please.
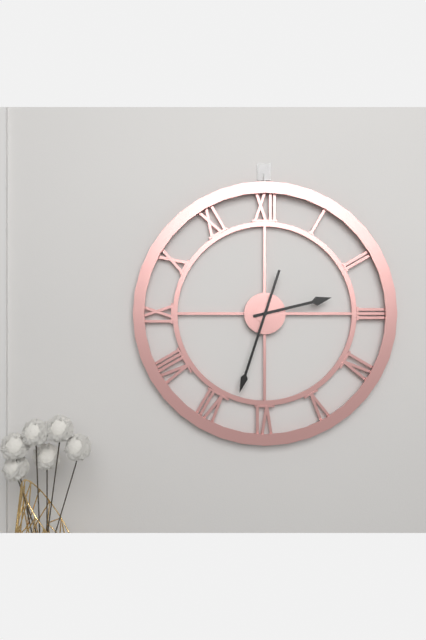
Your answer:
2 h 33 min
